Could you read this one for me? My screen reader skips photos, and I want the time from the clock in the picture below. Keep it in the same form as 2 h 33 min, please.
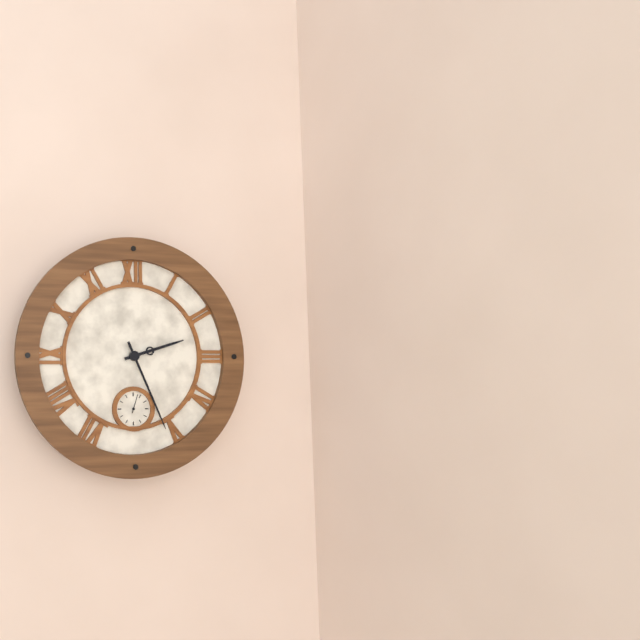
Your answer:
2 h 26 min
